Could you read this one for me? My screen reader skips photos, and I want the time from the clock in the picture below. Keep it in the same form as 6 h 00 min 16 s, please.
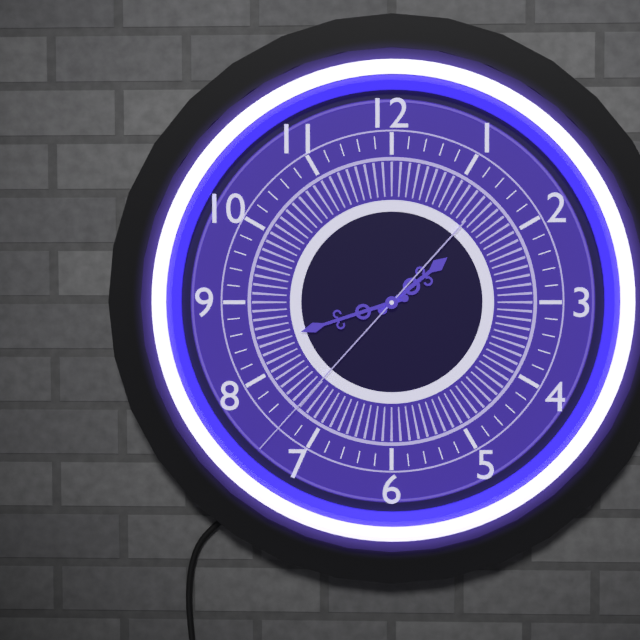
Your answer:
1 h 42 min 37 s
